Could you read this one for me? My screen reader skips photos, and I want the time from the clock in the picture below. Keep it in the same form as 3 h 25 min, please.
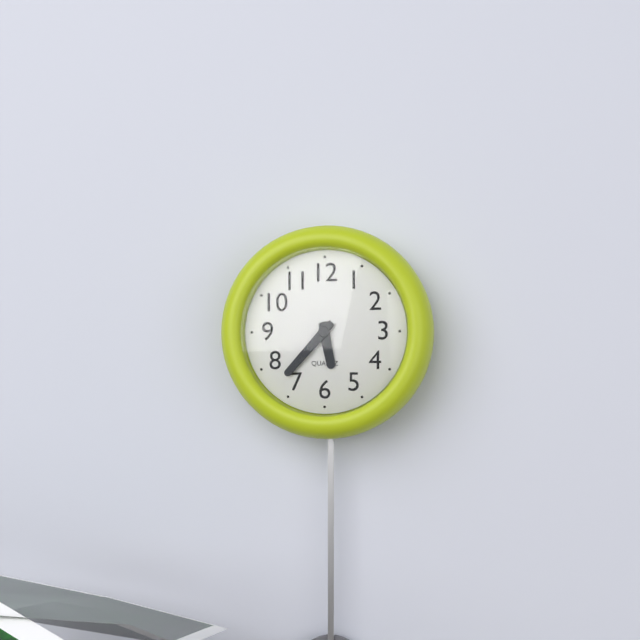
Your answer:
5 h 37 min
